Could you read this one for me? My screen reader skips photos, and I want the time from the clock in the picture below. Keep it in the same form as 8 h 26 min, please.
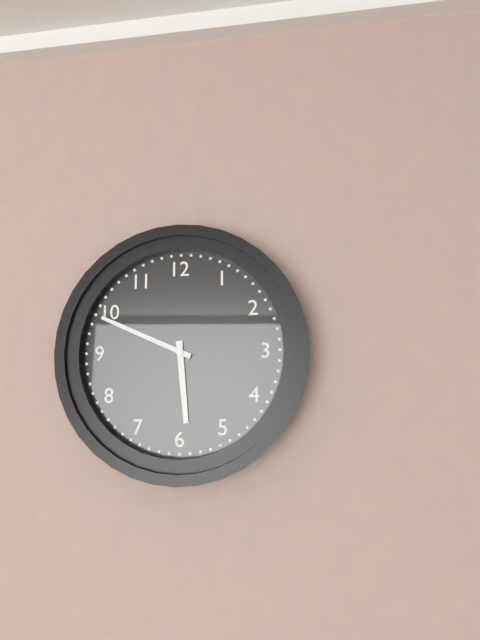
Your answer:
5 h 49 min
